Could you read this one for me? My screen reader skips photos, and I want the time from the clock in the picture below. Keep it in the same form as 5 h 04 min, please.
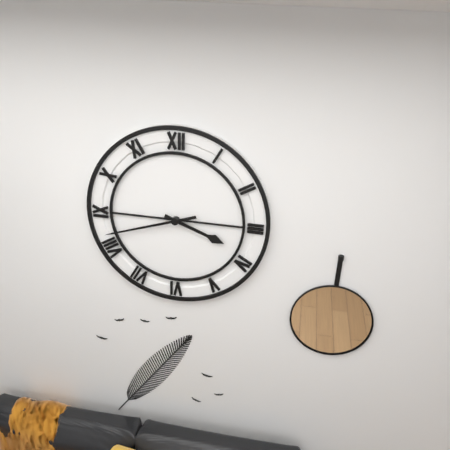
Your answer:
3 h 42 min
